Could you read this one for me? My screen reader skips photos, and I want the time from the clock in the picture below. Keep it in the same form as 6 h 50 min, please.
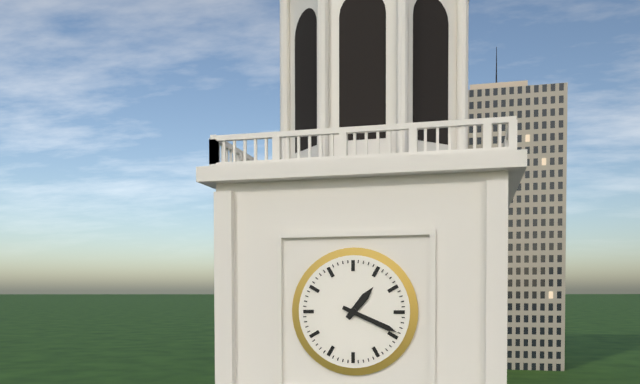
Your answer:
1 h 19 min
